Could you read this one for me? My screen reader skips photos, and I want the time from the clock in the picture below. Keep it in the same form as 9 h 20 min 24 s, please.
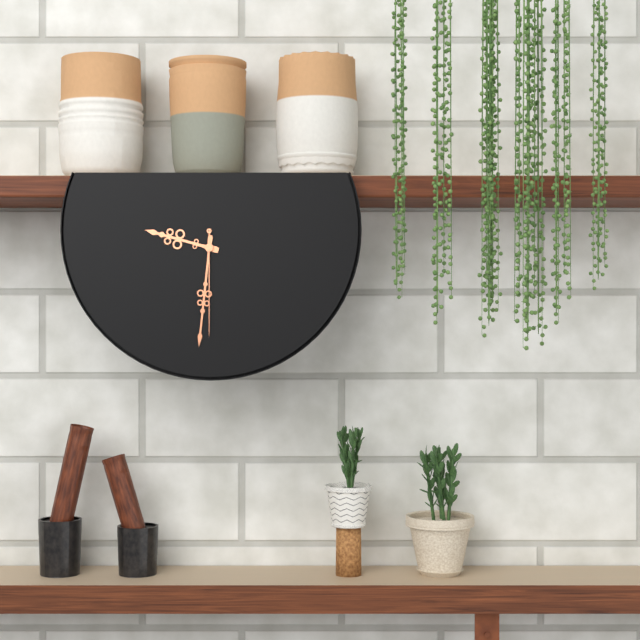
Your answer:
9 h 31 min 30 s
